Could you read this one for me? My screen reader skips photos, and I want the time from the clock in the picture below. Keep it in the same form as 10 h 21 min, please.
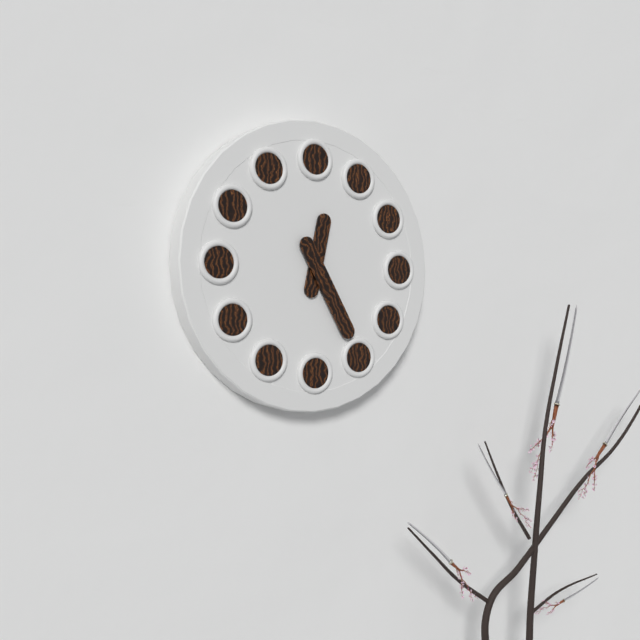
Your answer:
12 h 25 min
